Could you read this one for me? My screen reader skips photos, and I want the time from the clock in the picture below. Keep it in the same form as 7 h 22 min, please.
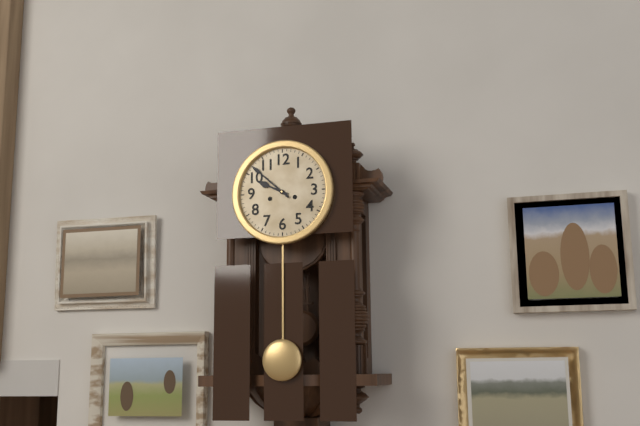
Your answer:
9 h 52 min
